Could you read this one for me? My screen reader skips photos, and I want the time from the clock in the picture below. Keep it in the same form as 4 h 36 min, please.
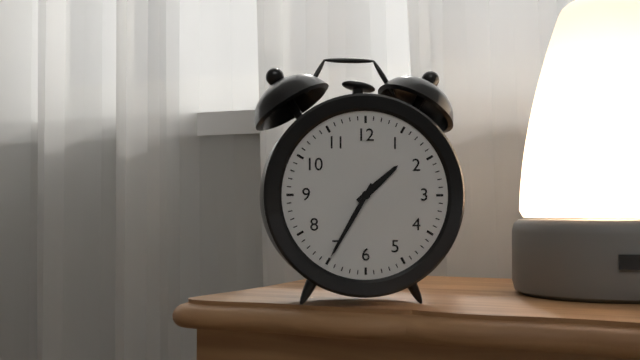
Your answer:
1 h 35 min
